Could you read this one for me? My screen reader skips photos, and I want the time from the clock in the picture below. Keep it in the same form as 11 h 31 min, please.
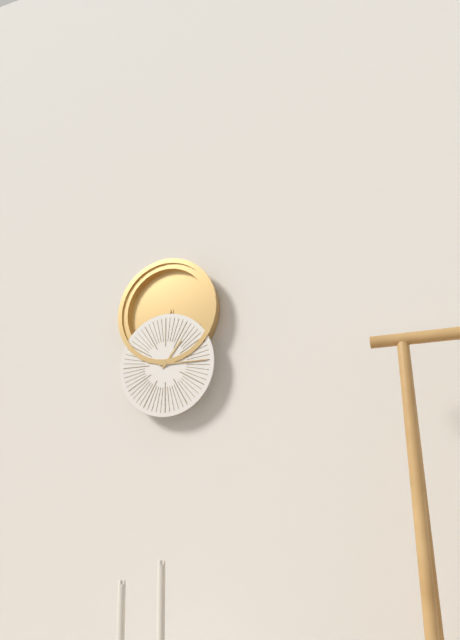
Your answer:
1 h 15 min
